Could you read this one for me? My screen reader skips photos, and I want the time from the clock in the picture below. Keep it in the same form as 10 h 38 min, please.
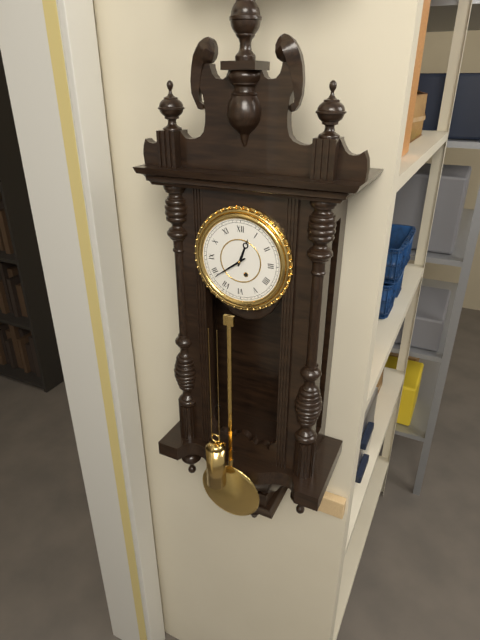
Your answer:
12 h 39 min
